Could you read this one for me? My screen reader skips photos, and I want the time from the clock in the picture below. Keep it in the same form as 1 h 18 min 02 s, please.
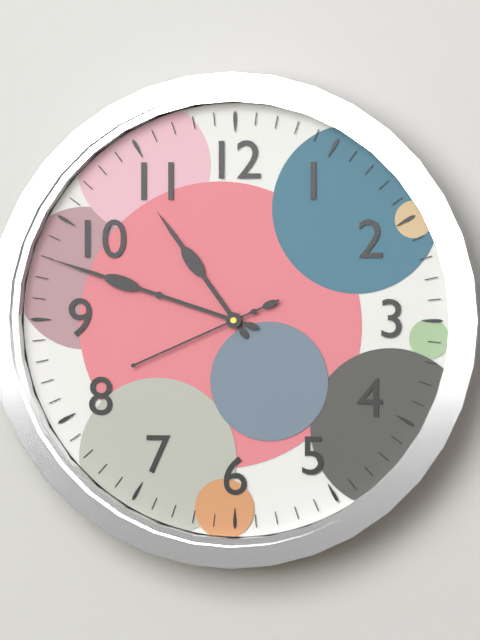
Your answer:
10 h 48 min 41 s
